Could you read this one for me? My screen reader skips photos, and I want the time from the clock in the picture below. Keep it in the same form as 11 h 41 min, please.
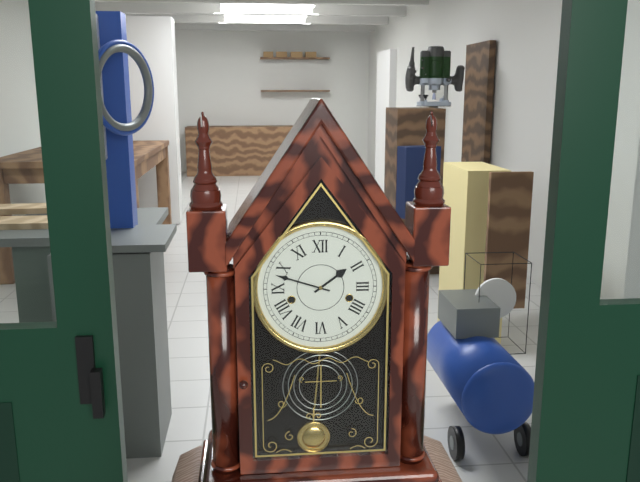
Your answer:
1 h 48 min
